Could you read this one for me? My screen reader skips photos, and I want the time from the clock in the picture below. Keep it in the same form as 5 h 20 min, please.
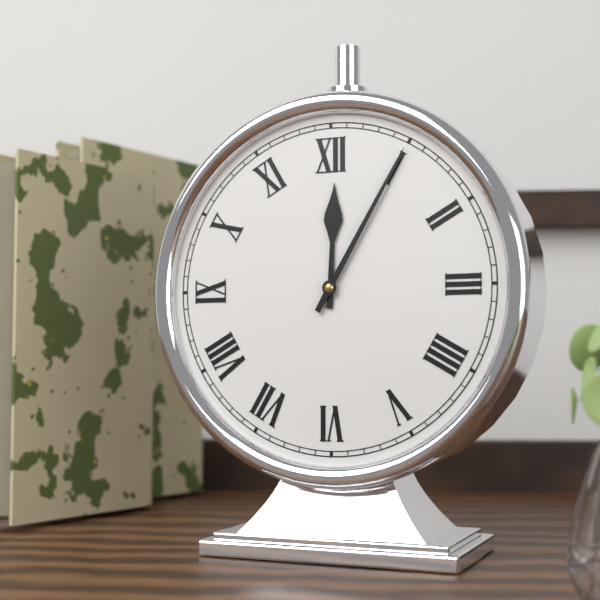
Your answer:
12 h 05 min
